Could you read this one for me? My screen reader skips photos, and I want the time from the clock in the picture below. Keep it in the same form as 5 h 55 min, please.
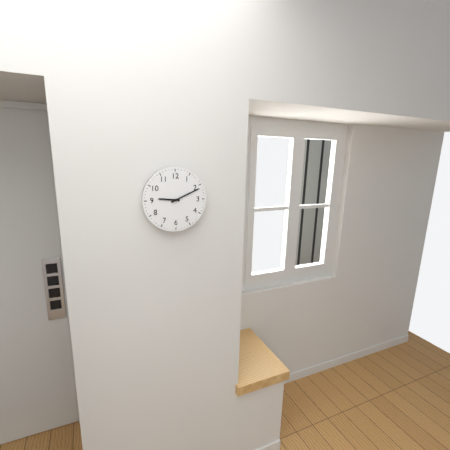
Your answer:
9 h 11 min
